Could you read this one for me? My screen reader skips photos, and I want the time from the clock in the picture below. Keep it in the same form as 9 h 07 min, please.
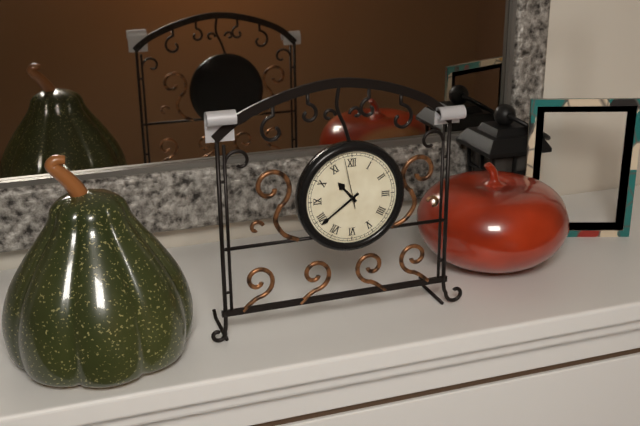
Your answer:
10 h 39 min
